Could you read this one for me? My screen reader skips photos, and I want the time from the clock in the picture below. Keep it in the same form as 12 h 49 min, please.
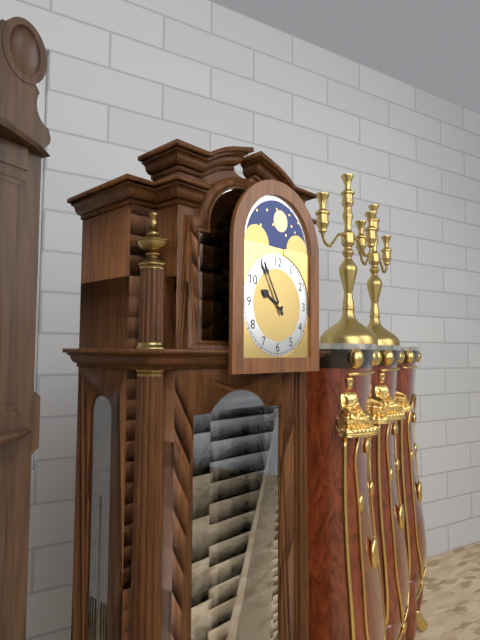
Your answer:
9 h 55 min
